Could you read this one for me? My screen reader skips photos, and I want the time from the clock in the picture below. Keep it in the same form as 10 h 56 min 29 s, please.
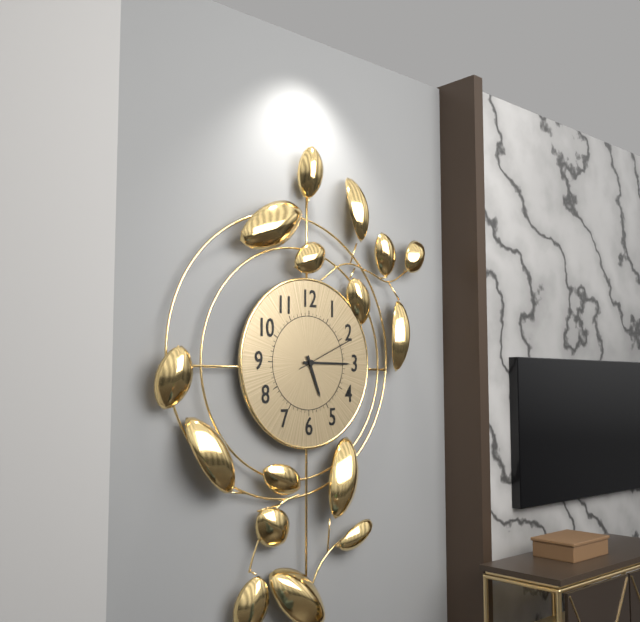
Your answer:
5 h 15 min 11 s
